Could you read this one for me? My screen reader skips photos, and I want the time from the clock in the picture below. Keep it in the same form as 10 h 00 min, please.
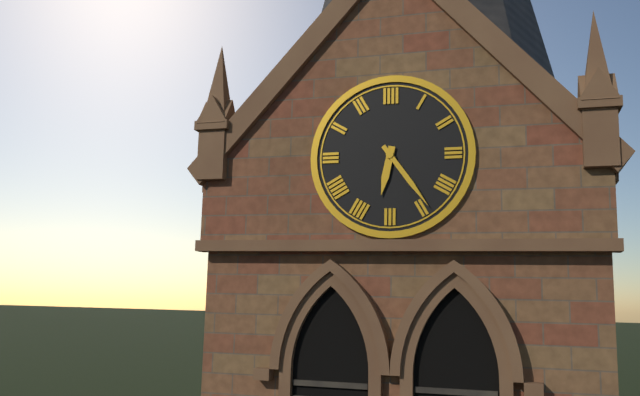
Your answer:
6 h 24 min
